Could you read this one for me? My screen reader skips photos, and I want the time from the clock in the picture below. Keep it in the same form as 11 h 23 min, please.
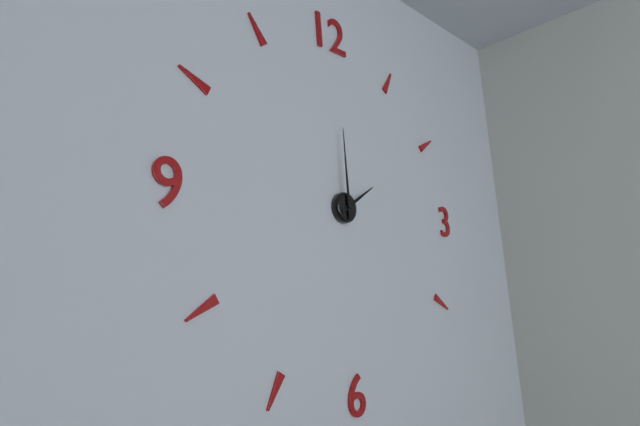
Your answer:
2 h 00 min
